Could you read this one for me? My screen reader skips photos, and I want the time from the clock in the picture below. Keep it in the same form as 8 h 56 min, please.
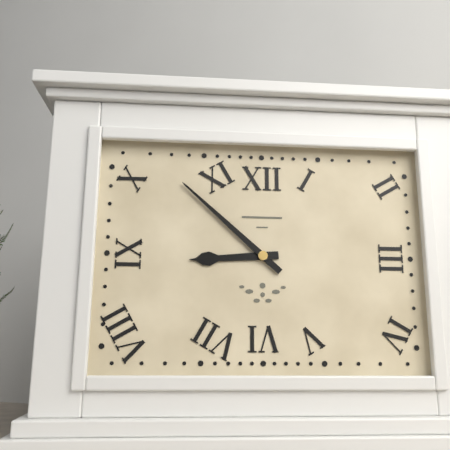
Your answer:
8 h 52 min
